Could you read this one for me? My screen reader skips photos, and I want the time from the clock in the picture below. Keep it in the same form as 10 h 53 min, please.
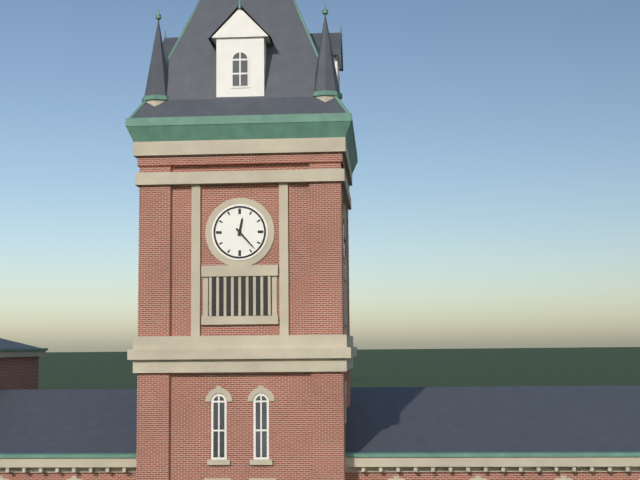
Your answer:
12 h 23 min
